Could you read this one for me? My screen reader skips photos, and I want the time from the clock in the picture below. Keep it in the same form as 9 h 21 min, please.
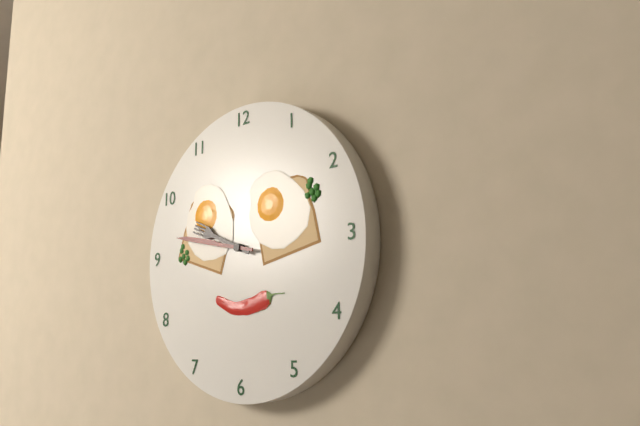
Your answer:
9 h 47 min
